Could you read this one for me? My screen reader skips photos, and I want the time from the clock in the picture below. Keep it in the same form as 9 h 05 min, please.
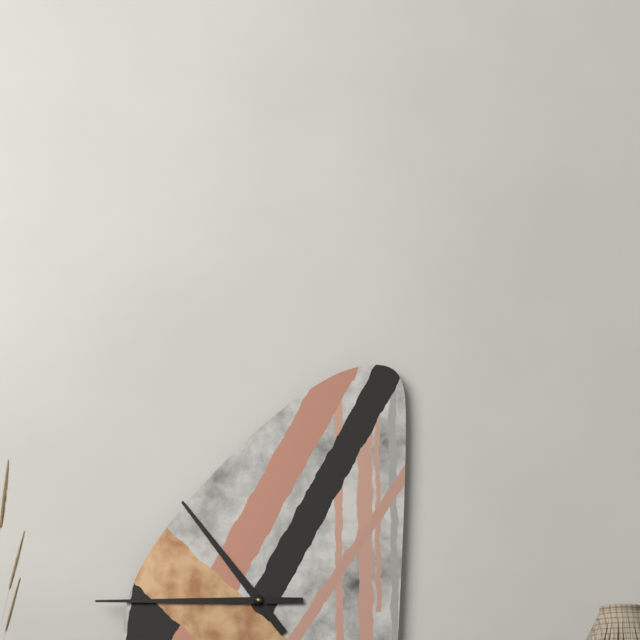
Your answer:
10 h 45 min
